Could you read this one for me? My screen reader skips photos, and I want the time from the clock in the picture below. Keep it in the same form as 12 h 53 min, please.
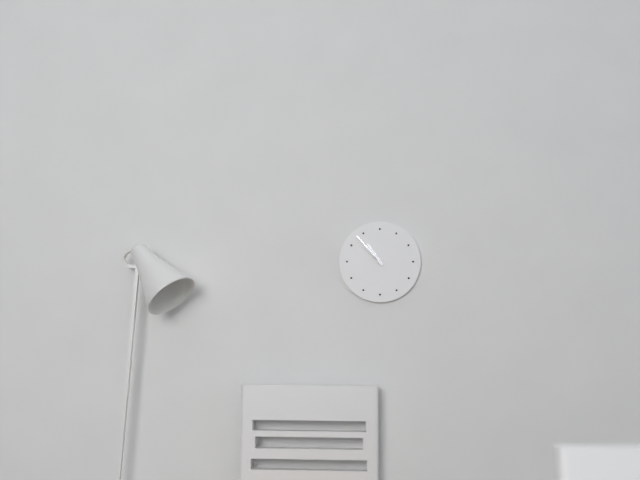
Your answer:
10 h 53 min
